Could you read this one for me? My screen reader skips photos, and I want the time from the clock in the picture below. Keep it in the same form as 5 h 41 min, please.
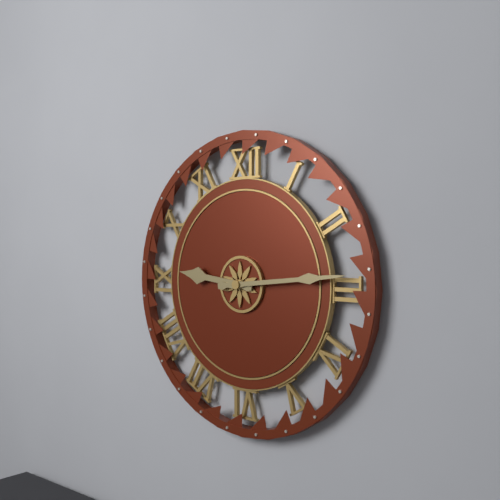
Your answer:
9 h 14 min
